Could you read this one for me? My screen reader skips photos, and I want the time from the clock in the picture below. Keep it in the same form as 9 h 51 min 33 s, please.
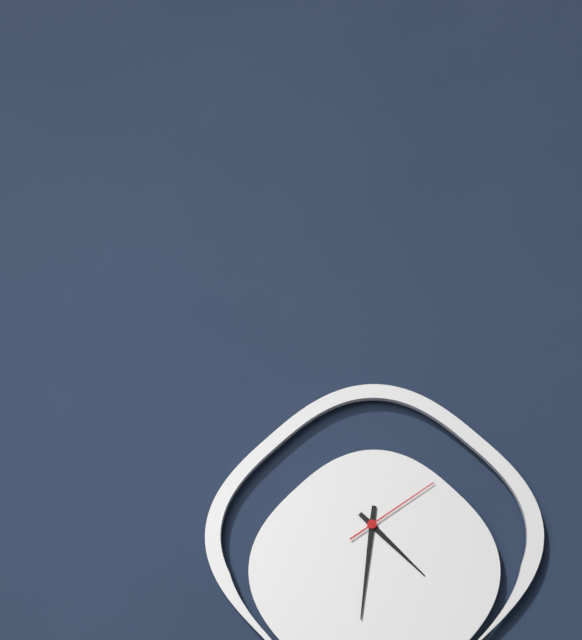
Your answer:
4 h 31 min 09 s
